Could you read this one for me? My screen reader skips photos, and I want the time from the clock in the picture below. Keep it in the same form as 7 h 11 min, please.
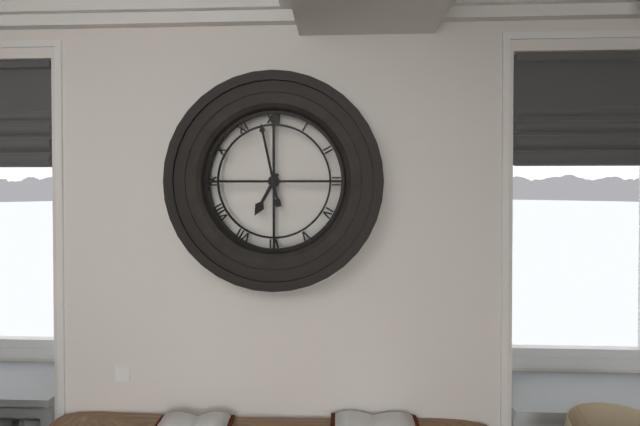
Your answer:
6 h 58 min
